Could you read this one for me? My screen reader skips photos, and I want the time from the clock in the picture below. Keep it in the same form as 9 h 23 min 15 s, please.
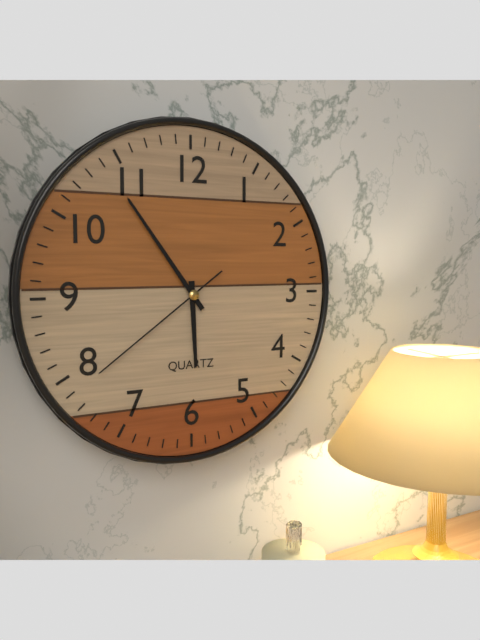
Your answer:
5 h 54 min 39 s
